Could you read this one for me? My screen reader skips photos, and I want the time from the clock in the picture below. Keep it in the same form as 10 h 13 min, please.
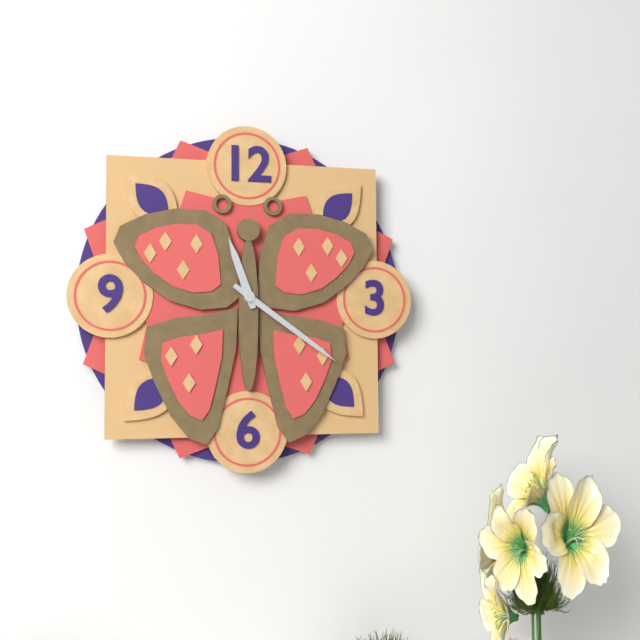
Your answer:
11 h 21 min
